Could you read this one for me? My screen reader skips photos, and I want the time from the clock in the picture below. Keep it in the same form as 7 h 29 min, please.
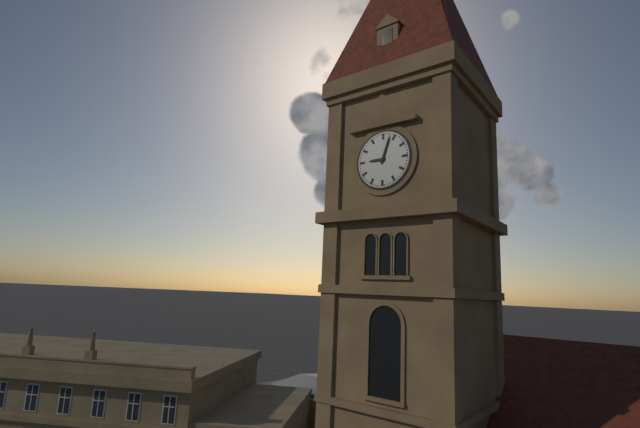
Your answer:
9 h 03 min
